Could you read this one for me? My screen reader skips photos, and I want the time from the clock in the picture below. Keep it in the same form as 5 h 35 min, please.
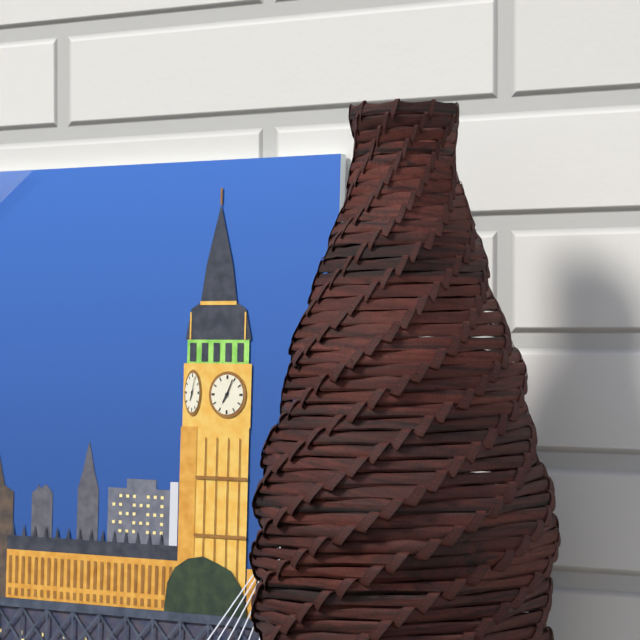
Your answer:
7 h 04 min
